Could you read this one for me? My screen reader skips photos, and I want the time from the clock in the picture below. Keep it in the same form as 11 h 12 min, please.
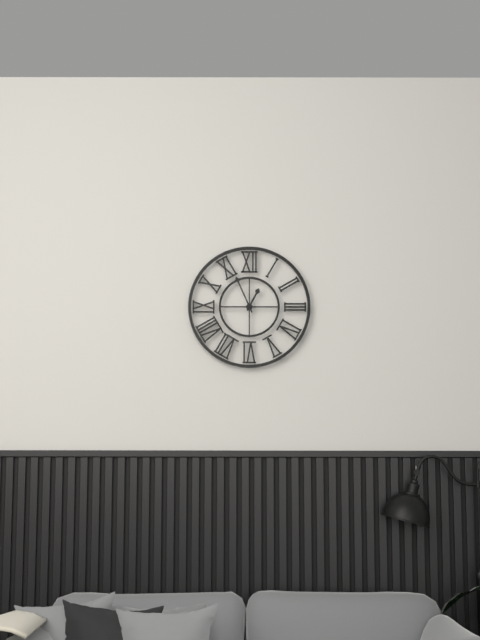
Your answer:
12 h 56 min
